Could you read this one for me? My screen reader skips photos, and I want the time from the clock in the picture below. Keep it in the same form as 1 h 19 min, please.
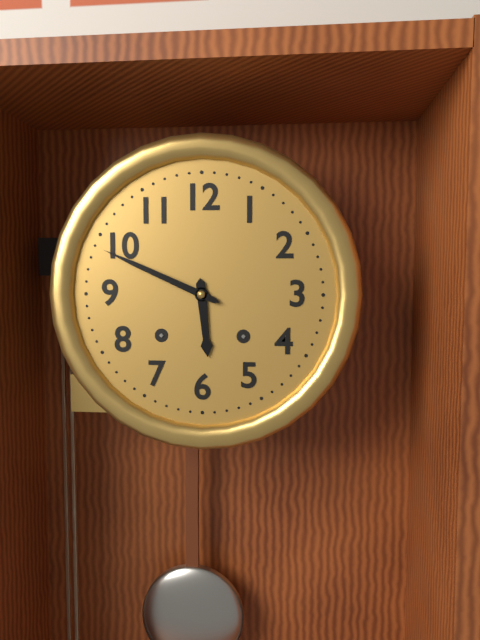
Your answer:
5 h 49 min
